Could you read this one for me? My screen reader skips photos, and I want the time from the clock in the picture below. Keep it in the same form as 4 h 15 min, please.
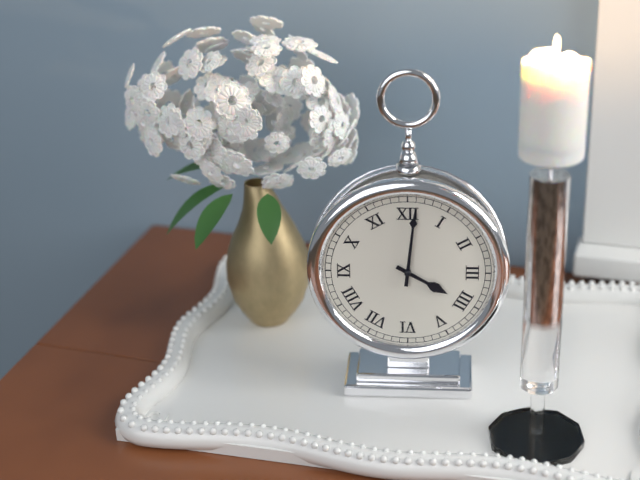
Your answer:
4 h 01 min
